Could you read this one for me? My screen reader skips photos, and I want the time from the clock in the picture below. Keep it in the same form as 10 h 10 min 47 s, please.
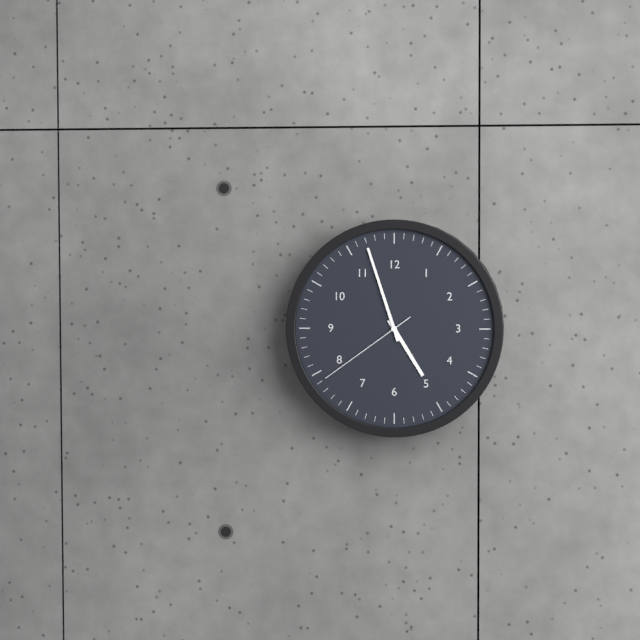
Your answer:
4 h 57 min 39 s
